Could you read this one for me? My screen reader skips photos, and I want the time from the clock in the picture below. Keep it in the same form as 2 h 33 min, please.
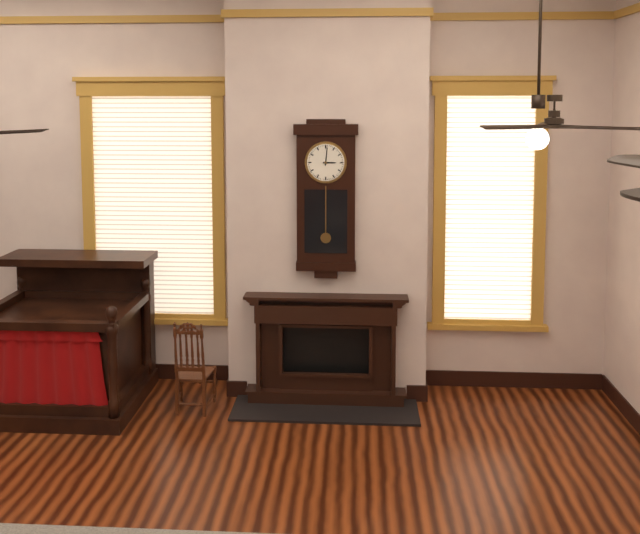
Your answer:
3 h 01 min
